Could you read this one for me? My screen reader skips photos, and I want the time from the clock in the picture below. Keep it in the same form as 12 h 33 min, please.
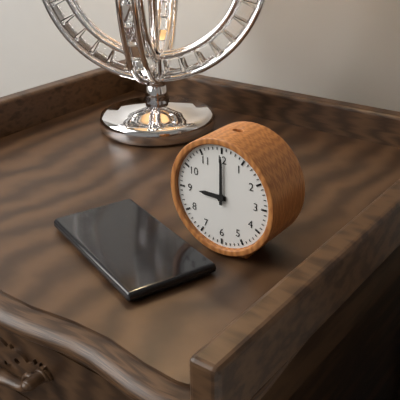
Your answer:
9 h 00 min
